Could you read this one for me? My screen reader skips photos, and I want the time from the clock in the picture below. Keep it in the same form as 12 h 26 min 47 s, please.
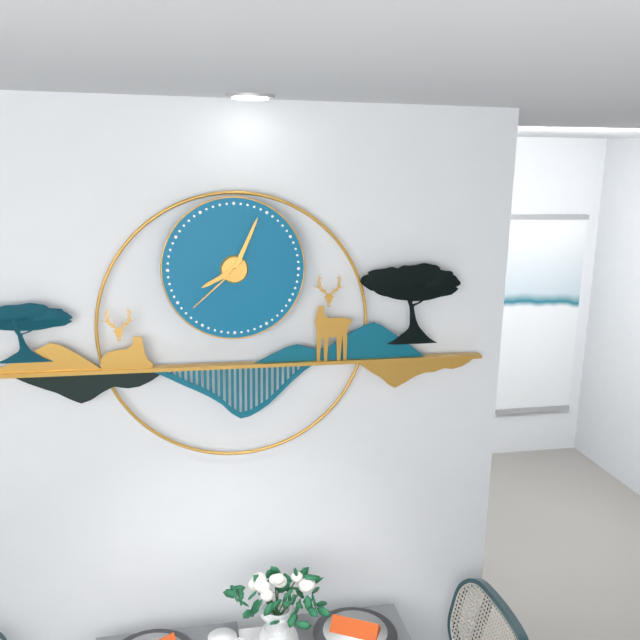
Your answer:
8 h 04 min 38 s
